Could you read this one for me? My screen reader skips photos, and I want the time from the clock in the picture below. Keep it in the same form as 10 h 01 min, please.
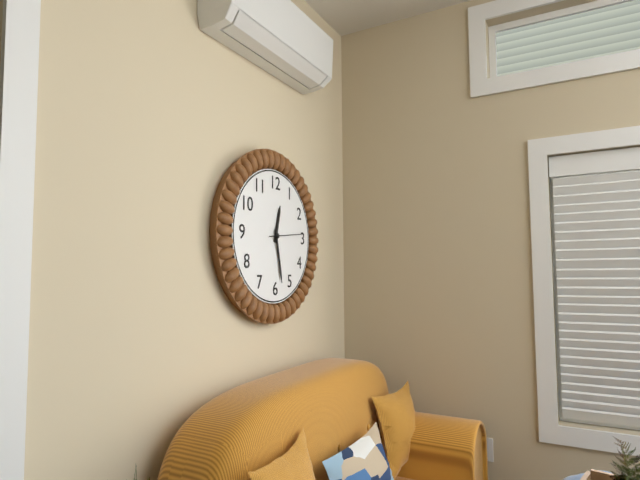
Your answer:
12 h 28 min
